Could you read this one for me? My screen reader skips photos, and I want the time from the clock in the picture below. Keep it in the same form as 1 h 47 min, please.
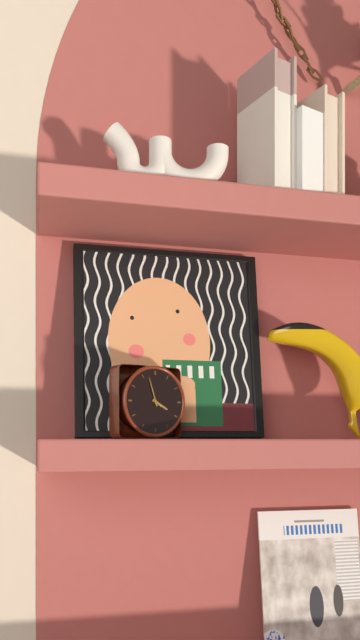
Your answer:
3 h 57 min
